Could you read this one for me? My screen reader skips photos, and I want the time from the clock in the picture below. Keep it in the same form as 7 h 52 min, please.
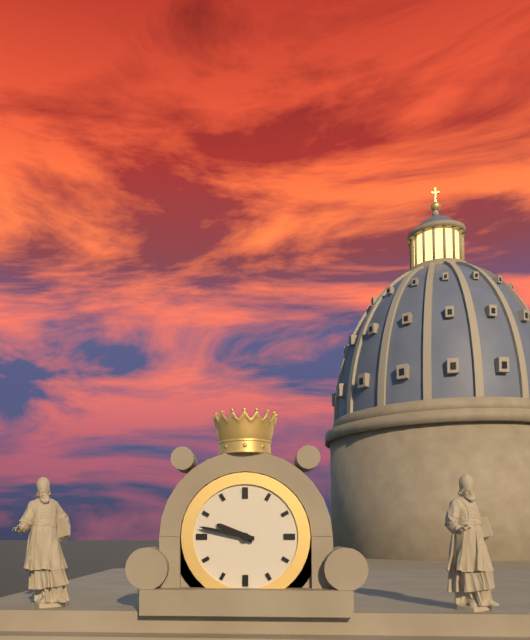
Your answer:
9 h 47 min
